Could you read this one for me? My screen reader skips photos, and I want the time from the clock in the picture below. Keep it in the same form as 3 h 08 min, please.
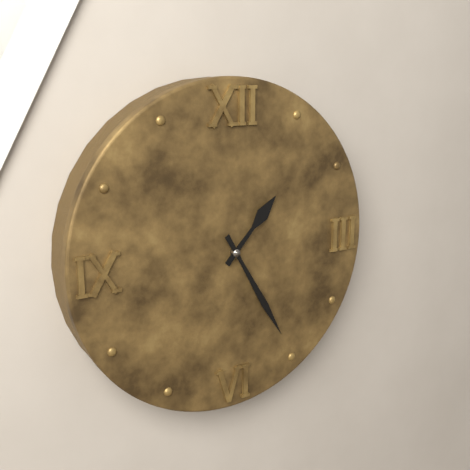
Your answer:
1 h 25 min
